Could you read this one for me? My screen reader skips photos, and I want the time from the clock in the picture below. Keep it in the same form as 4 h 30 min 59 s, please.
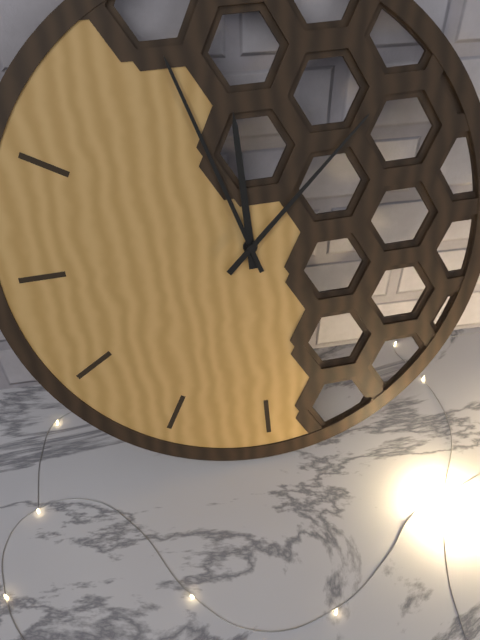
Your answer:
11 h 57 min 08 s
